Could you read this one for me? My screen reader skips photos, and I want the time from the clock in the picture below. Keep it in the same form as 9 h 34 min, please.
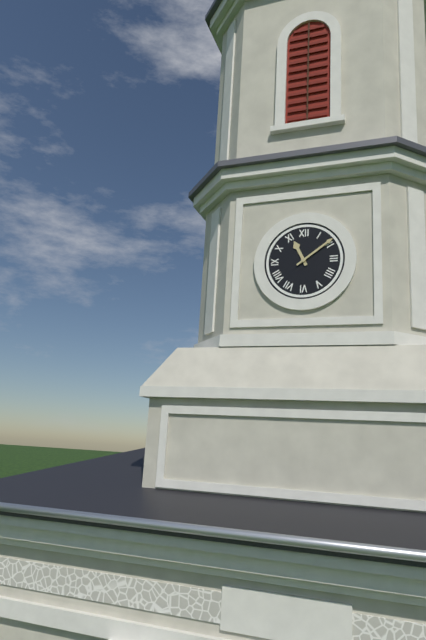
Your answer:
11 h 09 min
